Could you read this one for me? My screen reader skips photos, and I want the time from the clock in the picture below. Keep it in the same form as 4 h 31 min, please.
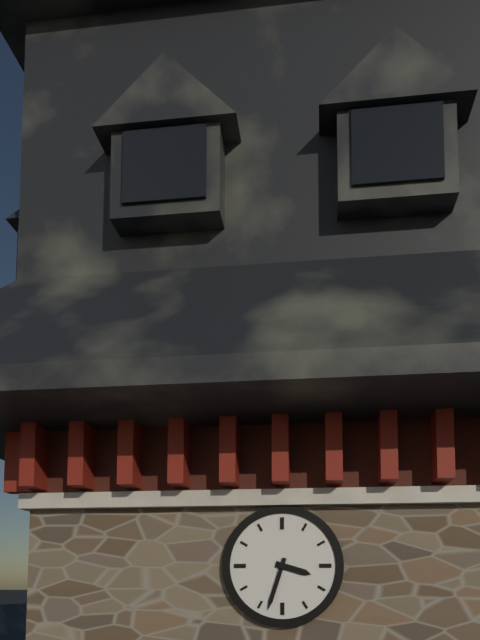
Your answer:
3 h 33 min
